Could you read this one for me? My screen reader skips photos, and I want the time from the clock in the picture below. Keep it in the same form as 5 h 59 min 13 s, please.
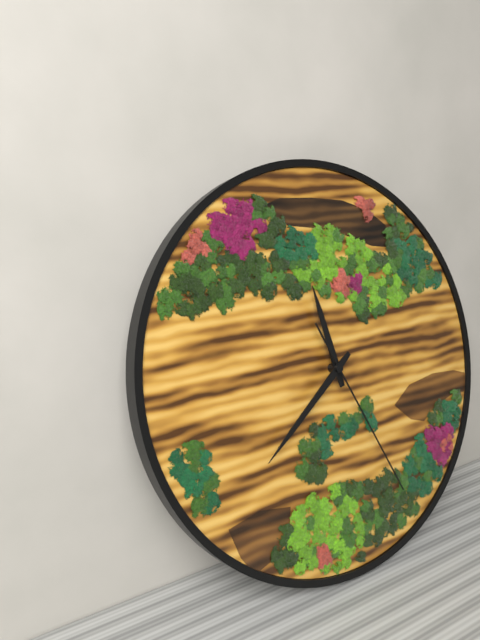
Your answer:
11 h 39 min 26 s
